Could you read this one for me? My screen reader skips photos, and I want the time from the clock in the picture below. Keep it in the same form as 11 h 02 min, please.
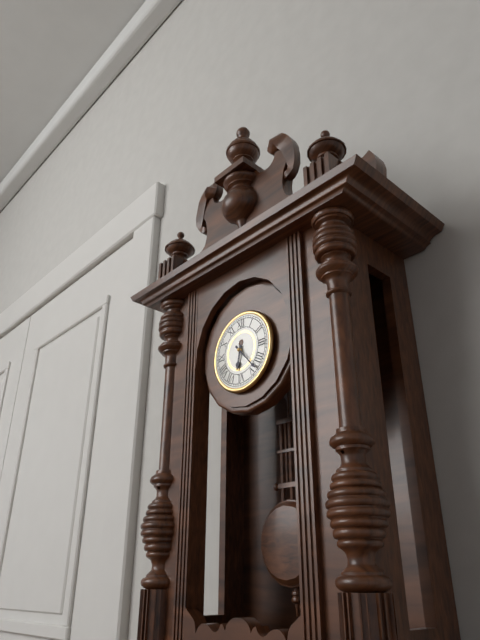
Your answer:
6 h 23 min
